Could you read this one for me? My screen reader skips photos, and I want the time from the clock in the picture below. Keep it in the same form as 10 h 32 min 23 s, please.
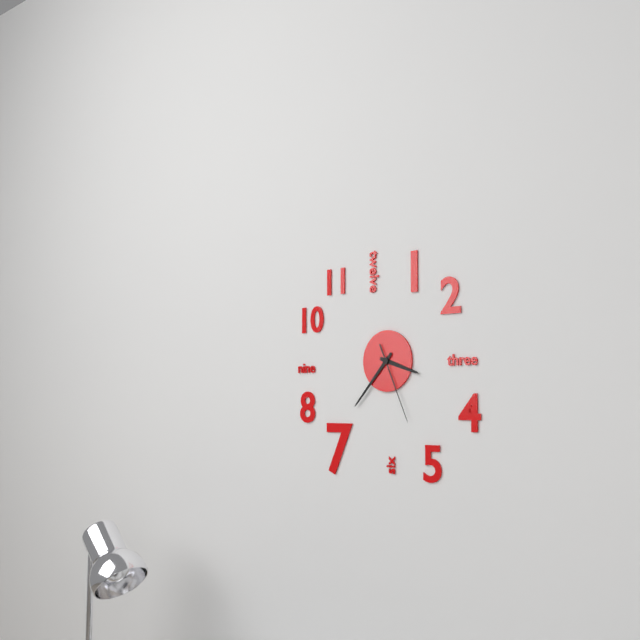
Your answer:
3 h 37 min 26 s
